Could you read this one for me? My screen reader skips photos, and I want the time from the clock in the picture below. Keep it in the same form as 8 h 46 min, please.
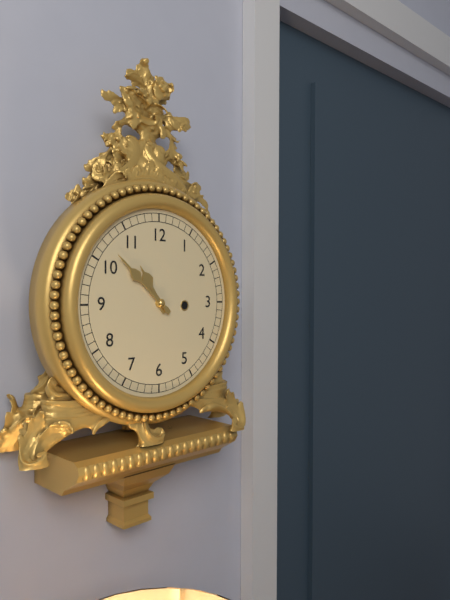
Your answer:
10 h 52 min
